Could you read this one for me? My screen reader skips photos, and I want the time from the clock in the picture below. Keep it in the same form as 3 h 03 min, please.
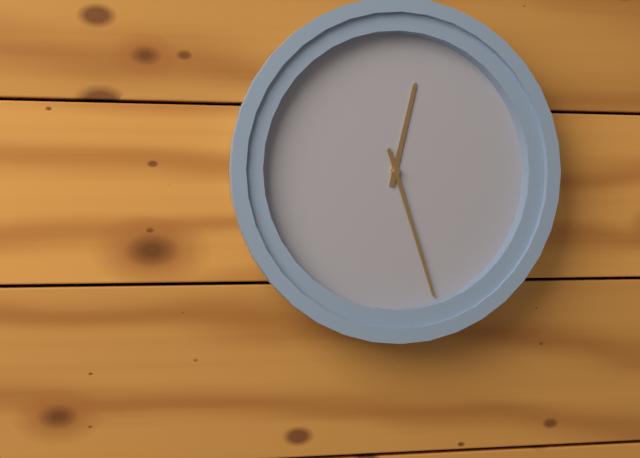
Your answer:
12 h 27 min
